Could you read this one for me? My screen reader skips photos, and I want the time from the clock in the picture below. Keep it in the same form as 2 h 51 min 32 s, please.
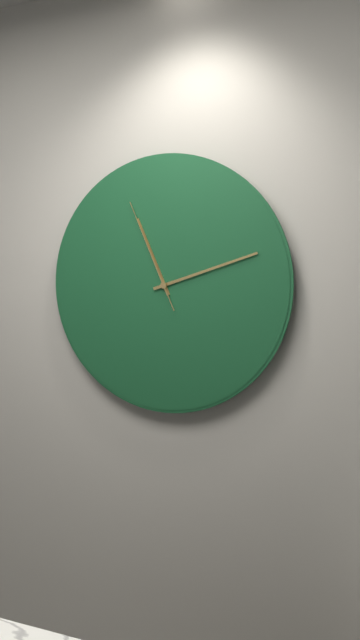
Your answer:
11 h 12 min 56 s
